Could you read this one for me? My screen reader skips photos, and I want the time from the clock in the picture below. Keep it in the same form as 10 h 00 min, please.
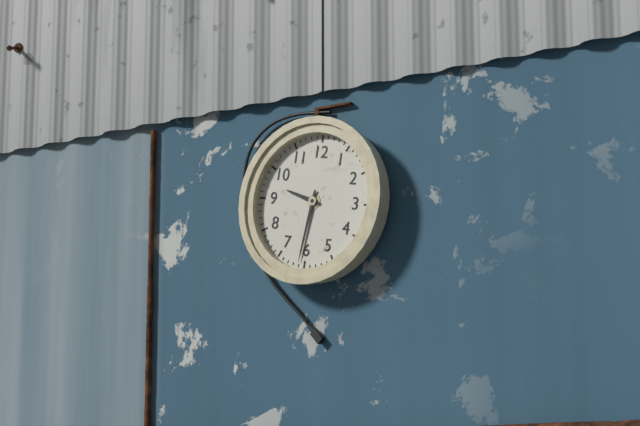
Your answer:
9 h 31 min
